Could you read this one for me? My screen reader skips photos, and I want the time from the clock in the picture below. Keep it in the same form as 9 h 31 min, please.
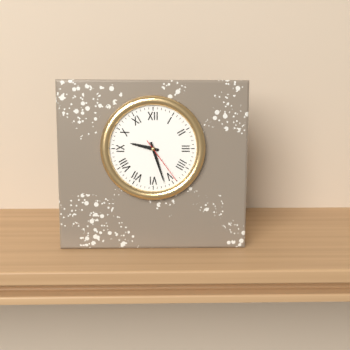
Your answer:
9 h 27 min
